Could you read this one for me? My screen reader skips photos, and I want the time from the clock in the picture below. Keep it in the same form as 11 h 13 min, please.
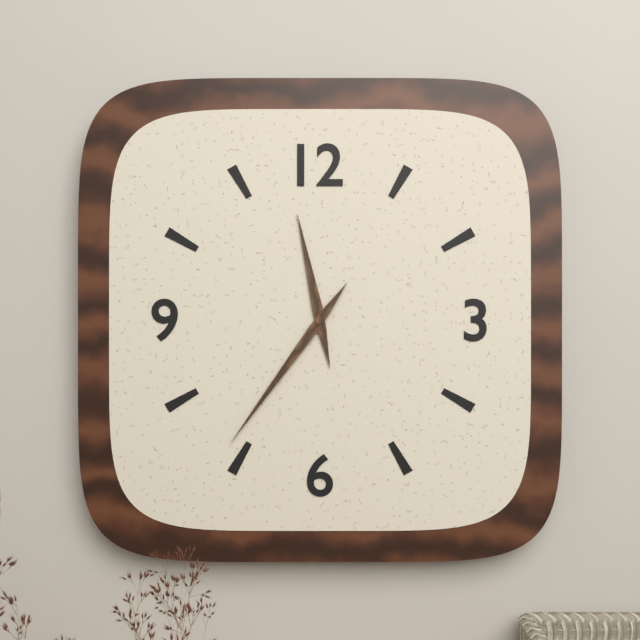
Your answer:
11 h 36 min
